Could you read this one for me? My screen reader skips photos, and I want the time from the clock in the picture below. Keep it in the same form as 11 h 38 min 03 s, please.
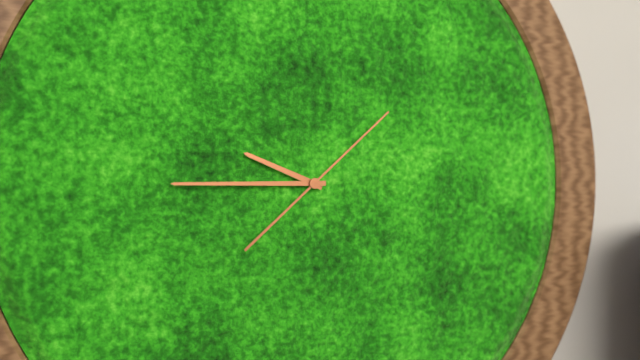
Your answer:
9 h 45 min 08 s
